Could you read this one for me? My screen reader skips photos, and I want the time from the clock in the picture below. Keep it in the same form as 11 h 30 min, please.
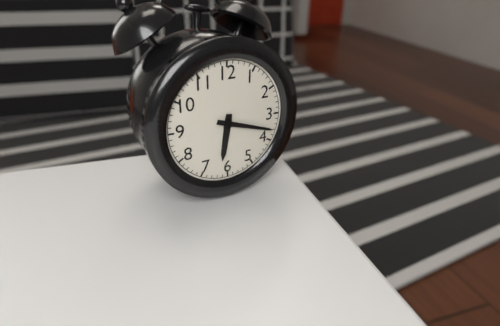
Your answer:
6 h 18 min
